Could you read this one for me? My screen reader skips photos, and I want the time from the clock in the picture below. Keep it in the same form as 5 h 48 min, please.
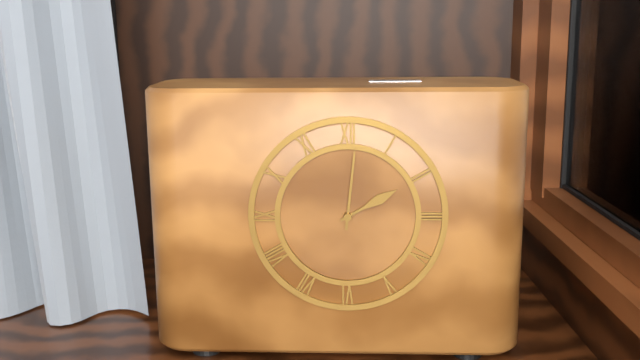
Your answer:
2 h 01 min
